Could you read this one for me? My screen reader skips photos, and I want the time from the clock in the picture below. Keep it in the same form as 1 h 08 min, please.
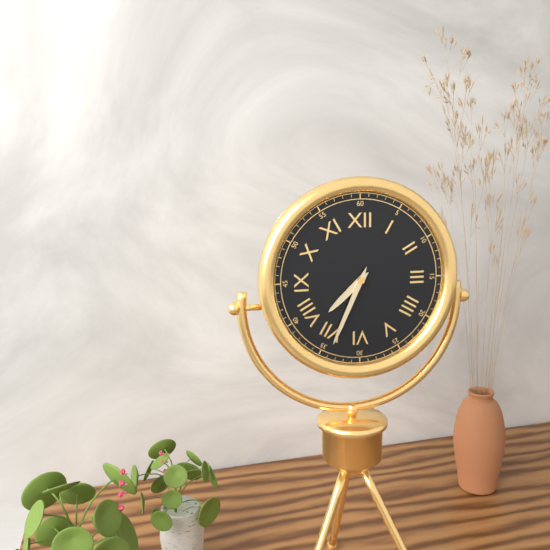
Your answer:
7 h 34 min
